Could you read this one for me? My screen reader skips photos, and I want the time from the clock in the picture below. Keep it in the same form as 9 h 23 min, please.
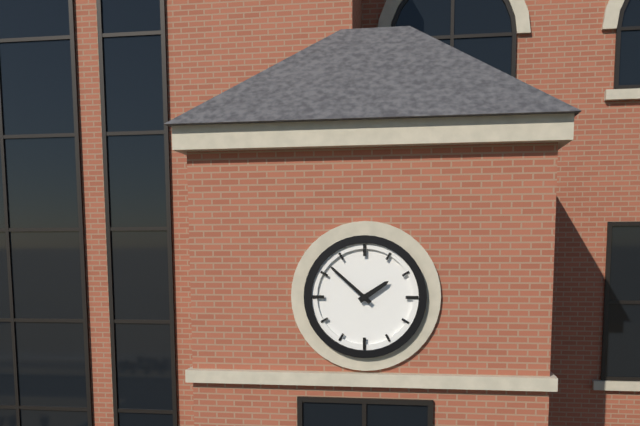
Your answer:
1 h 52 min
